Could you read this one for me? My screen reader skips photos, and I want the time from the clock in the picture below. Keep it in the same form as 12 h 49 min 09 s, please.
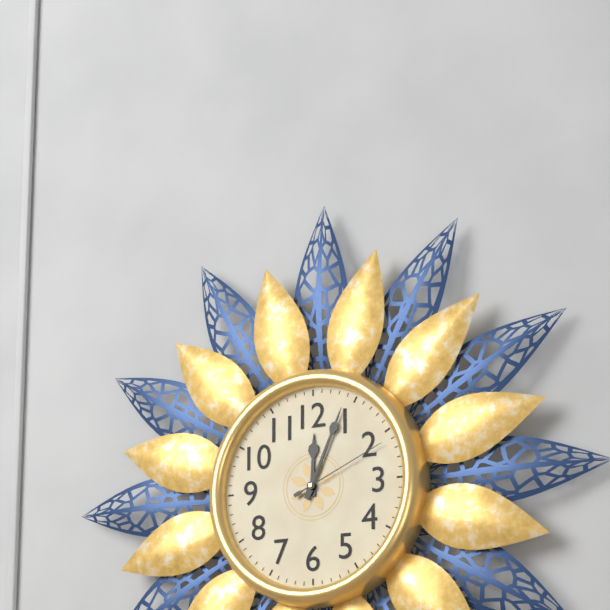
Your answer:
12 h 04 min 11 s
